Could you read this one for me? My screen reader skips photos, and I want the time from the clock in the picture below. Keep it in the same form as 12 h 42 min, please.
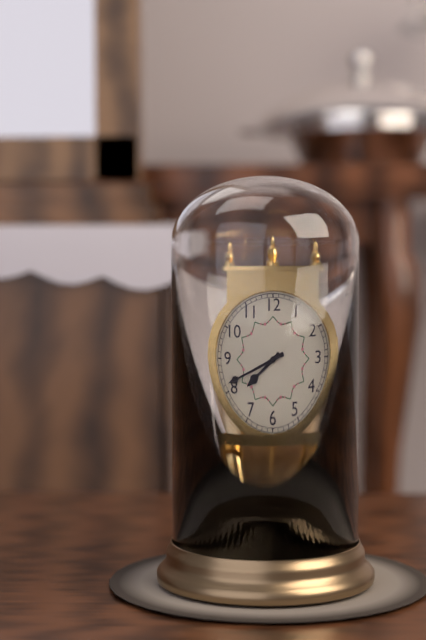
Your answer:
7 h 41 min
